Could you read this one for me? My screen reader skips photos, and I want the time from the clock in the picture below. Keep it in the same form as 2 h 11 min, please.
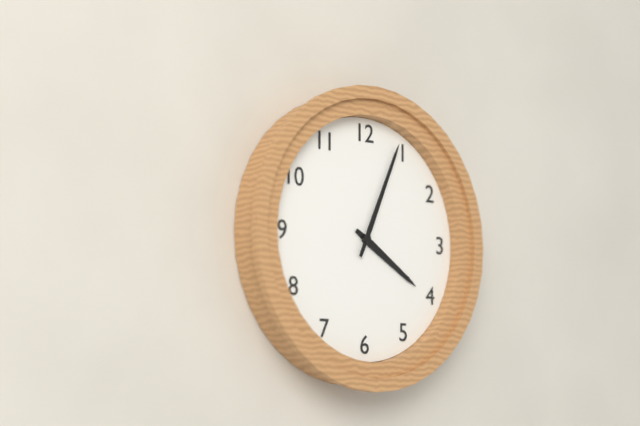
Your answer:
4 h 04 min
